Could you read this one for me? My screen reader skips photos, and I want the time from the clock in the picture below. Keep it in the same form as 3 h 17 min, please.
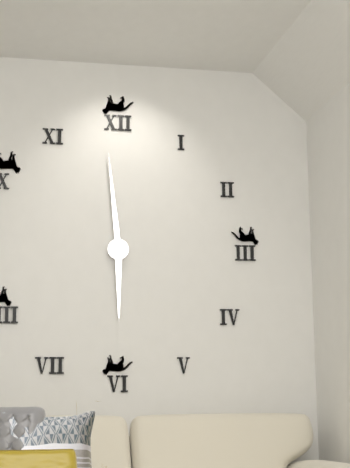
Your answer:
5 h 59 min
